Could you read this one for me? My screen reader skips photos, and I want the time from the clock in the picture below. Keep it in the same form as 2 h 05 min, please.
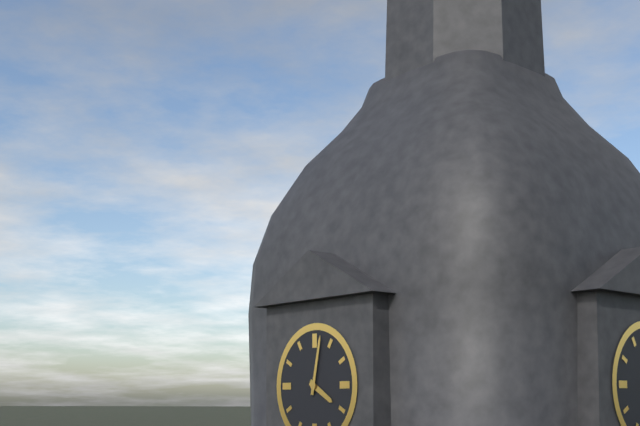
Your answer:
4 h 02 min
